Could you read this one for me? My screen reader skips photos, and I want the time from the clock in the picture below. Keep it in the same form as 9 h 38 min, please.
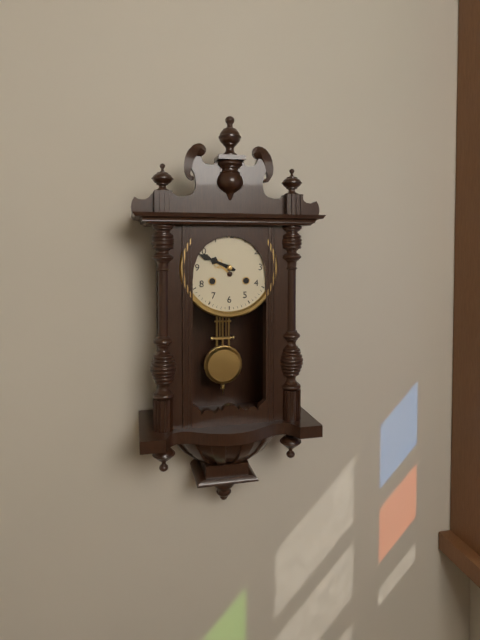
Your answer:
9 h 49 min
